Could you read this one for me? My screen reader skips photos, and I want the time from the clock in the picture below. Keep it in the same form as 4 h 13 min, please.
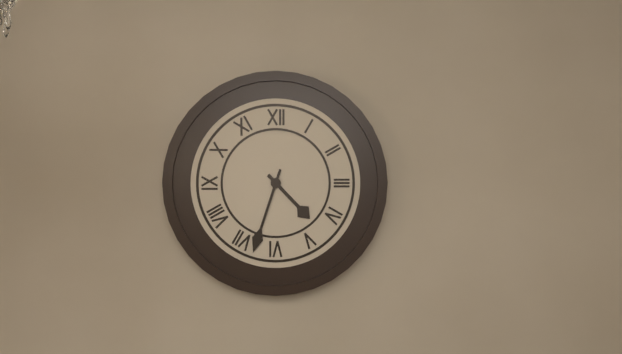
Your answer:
4 h 33 min
